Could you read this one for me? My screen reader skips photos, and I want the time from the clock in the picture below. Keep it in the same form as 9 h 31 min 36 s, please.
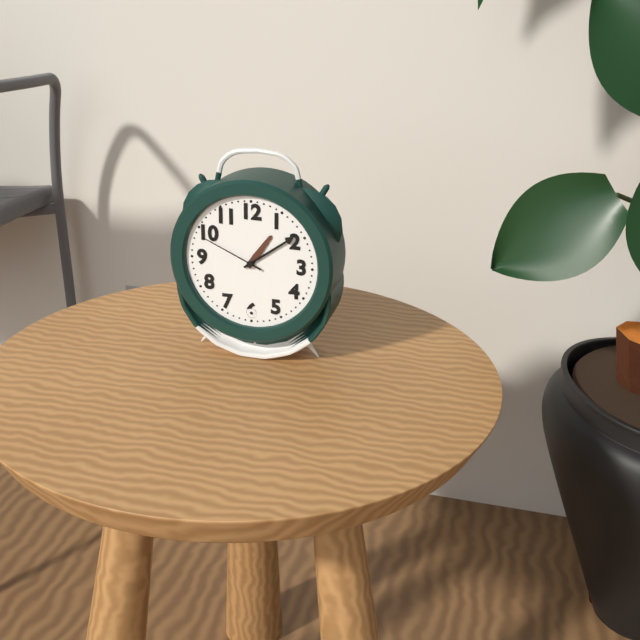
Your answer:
1 h 09 min 49 s
